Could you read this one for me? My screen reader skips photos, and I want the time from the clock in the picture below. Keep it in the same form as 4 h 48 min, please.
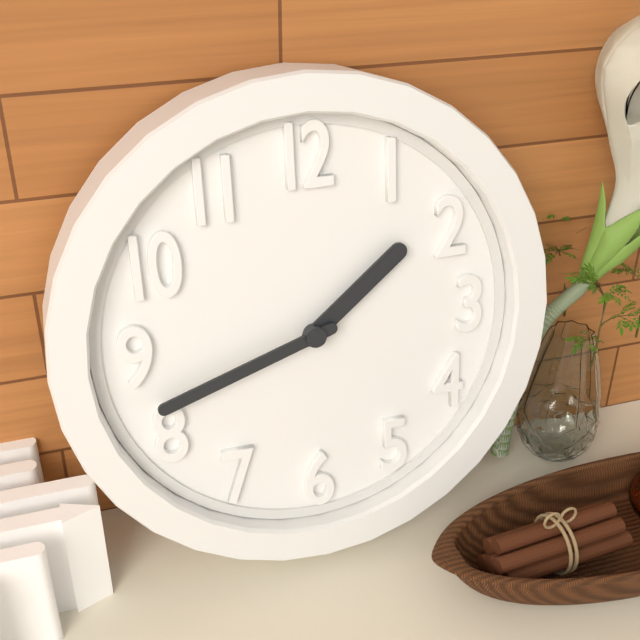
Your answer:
1 h 42 min
